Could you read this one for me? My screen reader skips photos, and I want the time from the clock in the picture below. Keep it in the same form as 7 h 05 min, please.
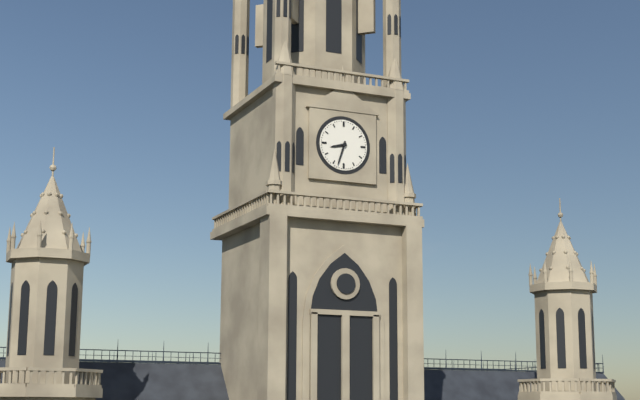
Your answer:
8 h 33 min
